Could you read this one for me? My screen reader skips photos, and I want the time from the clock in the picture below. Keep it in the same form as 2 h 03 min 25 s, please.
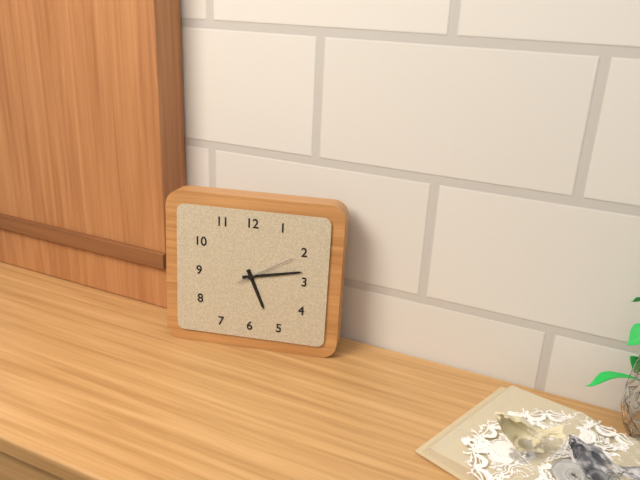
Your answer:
5 h 13 min 10 s
